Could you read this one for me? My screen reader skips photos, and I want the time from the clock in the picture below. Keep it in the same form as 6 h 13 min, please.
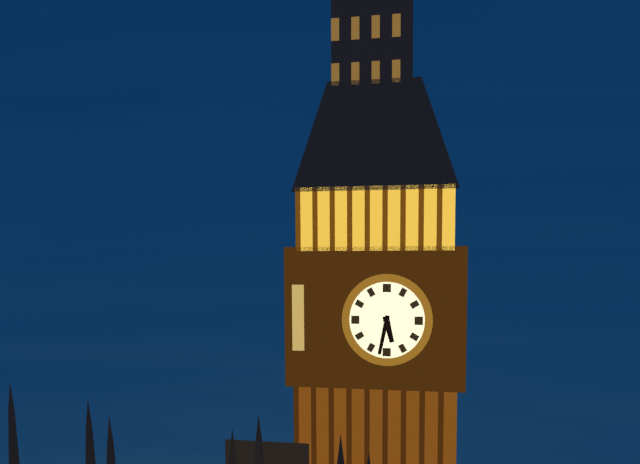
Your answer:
5 h 32 min
